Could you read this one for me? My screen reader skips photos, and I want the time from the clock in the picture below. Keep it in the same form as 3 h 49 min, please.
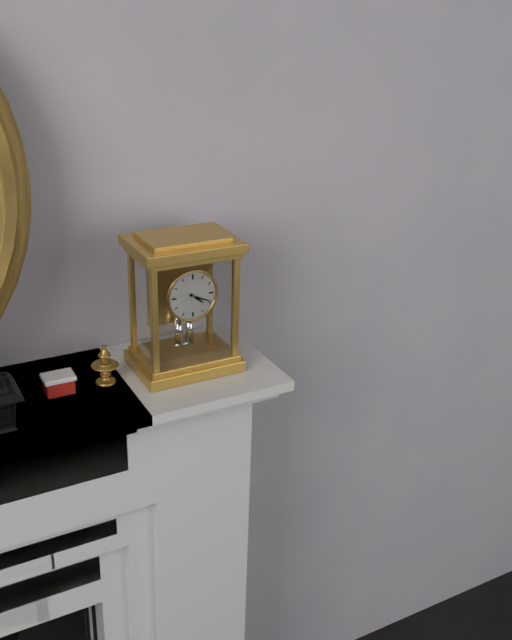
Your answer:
4 h 19 min
